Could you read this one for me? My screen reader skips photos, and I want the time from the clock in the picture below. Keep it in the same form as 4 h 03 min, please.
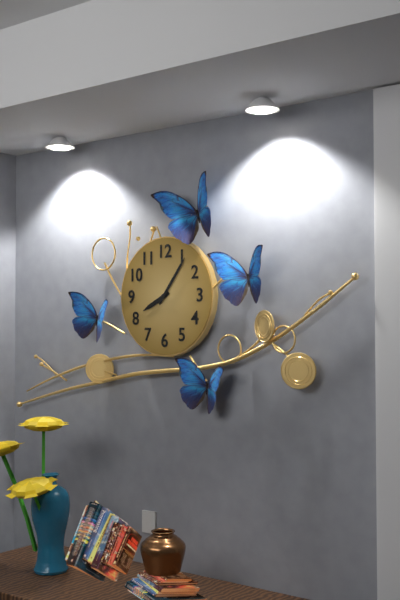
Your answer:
8 h 06 min
